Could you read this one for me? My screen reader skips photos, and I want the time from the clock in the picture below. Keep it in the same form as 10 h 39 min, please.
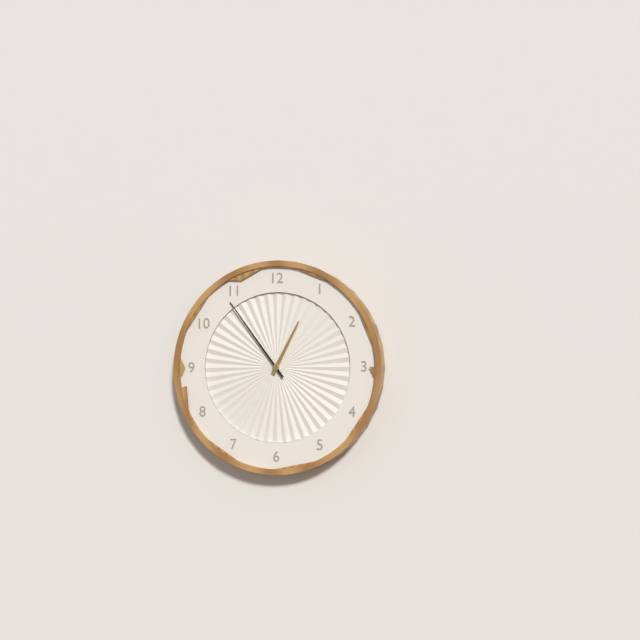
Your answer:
12 h 54 min
